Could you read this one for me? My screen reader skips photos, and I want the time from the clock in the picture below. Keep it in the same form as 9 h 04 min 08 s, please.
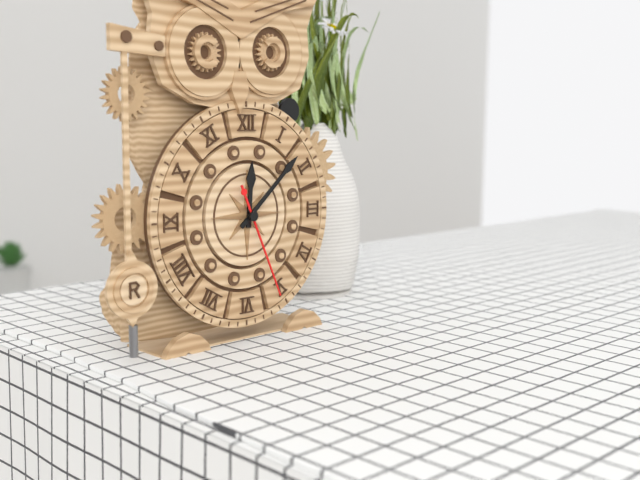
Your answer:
12 h 08 min 26 s
